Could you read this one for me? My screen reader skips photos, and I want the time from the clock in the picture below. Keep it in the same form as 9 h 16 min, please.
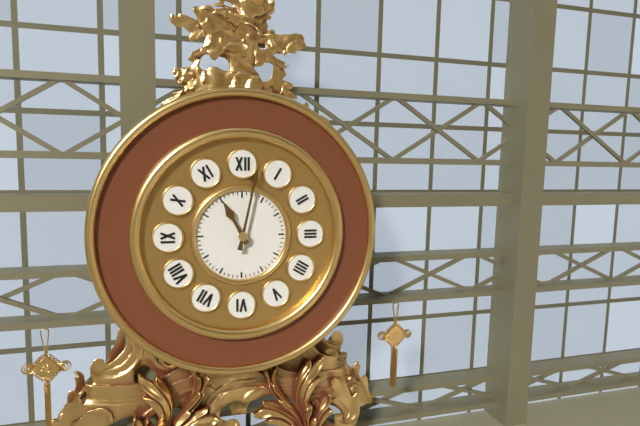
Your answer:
11 h 02 min
